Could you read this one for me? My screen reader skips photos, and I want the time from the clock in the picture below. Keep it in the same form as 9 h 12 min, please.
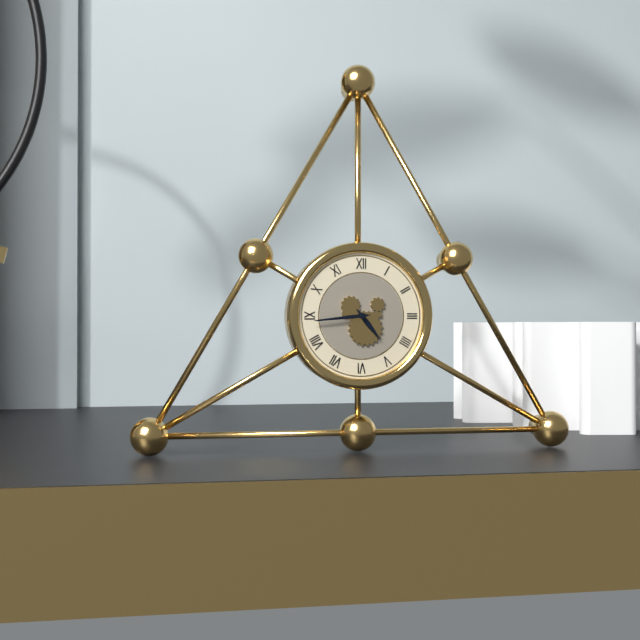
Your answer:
4 h 44 min
